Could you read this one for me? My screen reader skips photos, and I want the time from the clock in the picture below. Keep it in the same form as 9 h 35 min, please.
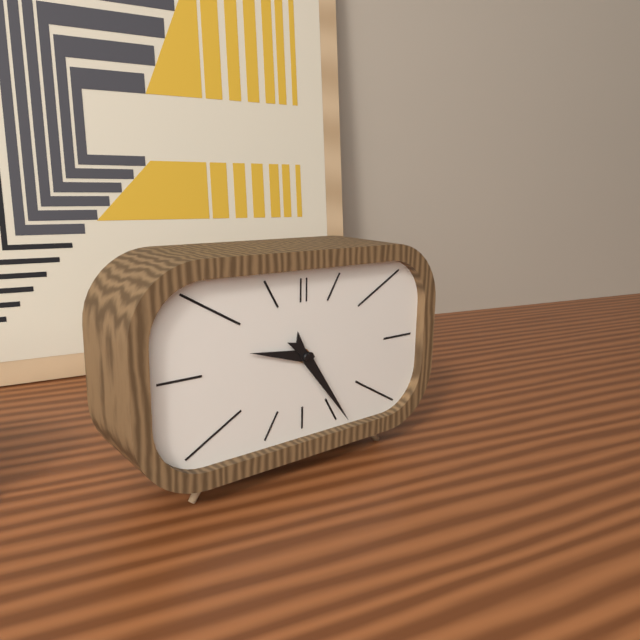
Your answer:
9 h 24 min
